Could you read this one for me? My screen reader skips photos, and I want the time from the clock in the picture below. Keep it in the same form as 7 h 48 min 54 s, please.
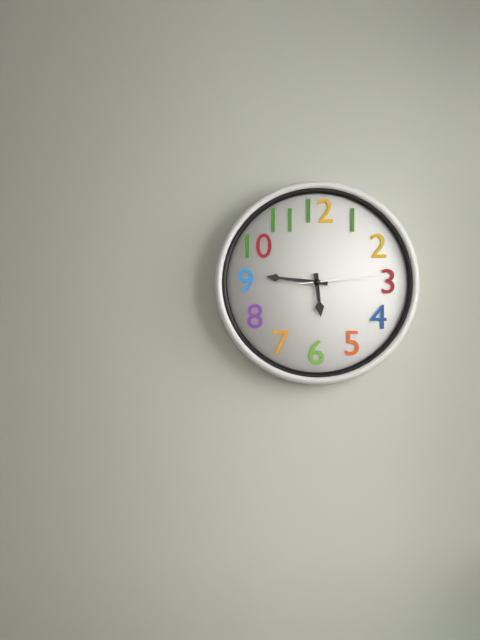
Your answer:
5 h 46 min 14 s
